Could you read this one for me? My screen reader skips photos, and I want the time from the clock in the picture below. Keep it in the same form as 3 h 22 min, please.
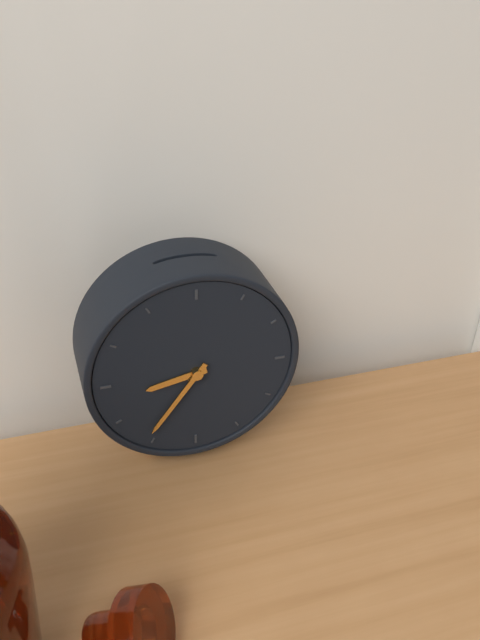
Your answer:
8 h 36 min
